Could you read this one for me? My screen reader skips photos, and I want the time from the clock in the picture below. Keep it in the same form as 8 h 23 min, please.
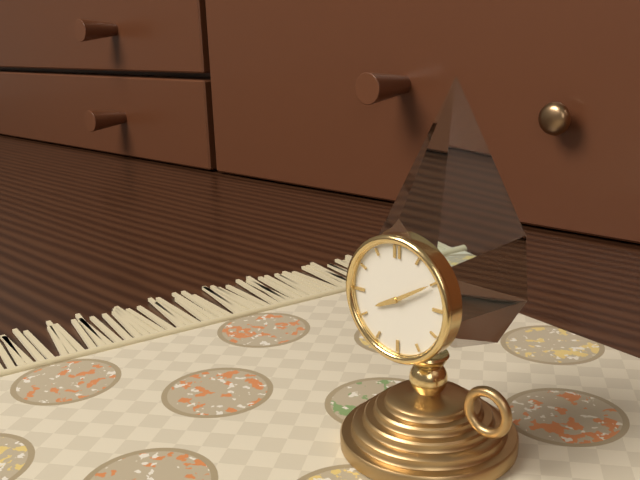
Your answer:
8 h 10 min
